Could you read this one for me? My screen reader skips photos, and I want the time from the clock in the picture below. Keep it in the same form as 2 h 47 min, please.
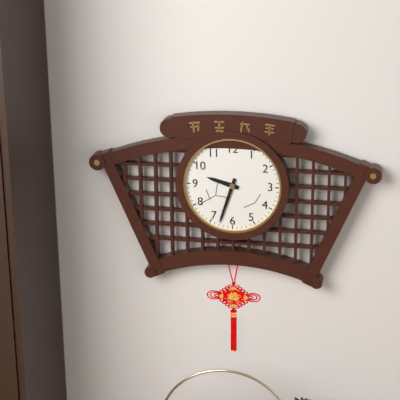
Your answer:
9 h 33 min
